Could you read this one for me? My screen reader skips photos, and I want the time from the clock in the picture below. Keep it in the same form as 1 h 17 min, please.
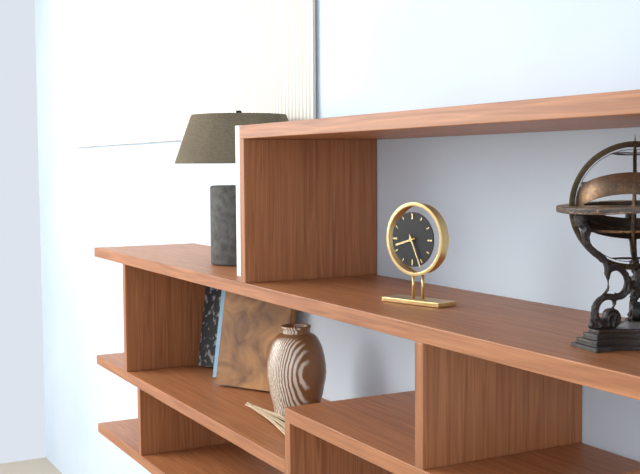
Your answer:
8 h 26 min
